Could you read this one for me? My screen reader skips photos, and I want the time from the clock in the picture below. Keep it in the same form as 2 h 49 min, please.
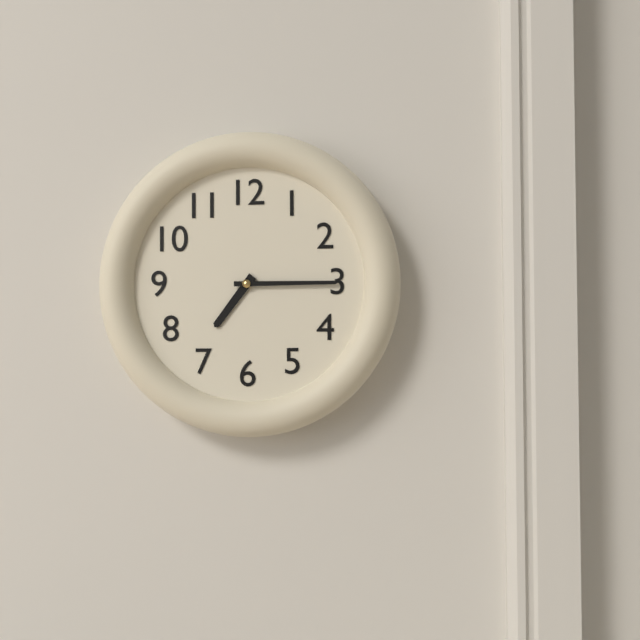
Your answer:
7 h 15 min
